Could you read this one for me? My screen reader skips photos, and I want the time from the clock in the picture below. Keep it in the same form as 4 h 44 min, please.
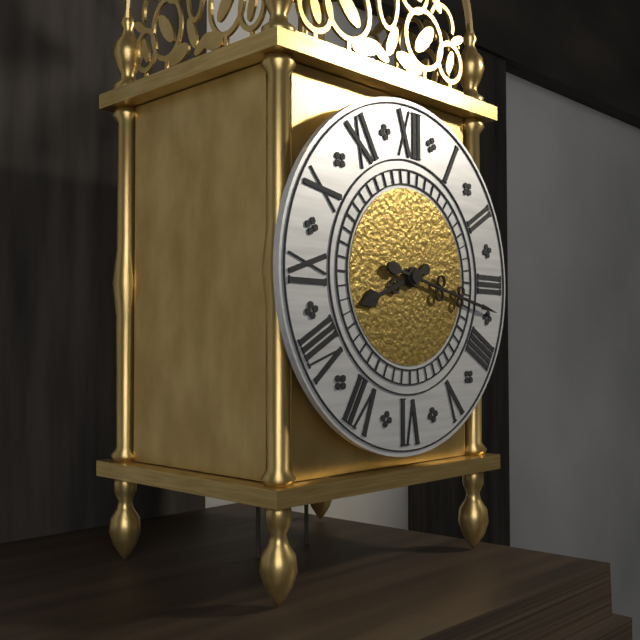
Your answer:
8 h 17 min
